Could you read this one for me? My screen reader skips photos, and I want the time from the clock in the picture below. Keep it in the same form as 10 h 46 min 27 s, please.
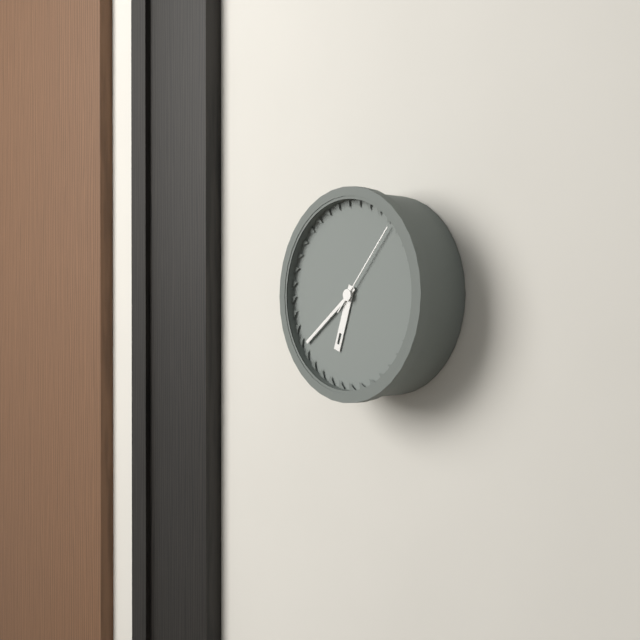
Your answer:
6 h 39 min 07 s
